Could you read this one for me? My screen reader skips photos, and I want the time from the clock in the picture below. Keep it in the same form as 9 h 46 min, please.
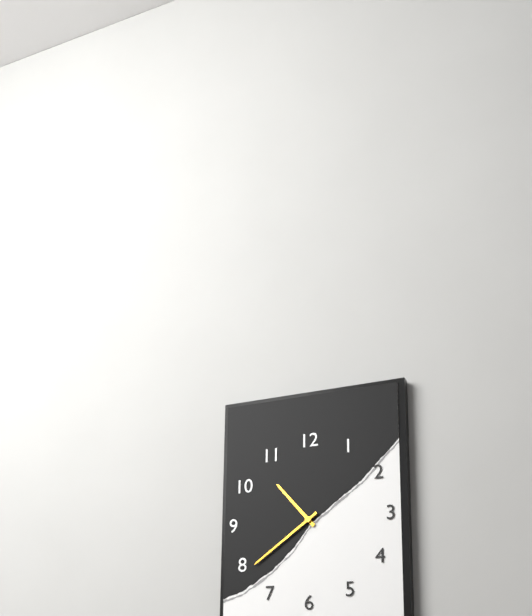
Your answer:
10 h 39 min
